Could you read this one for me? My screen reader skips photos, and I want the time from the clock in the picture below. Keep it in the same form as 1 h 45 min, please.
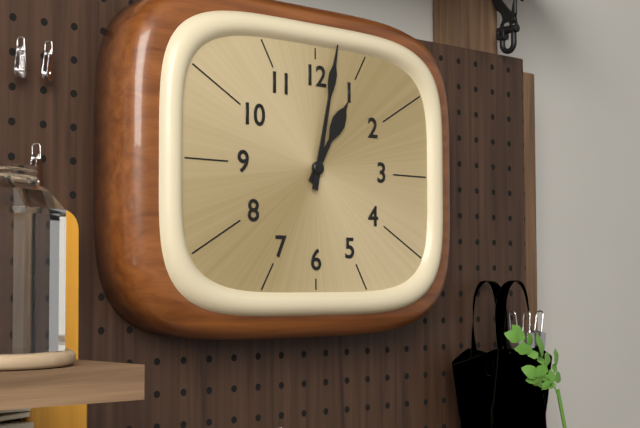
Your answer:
1 h 02 min
